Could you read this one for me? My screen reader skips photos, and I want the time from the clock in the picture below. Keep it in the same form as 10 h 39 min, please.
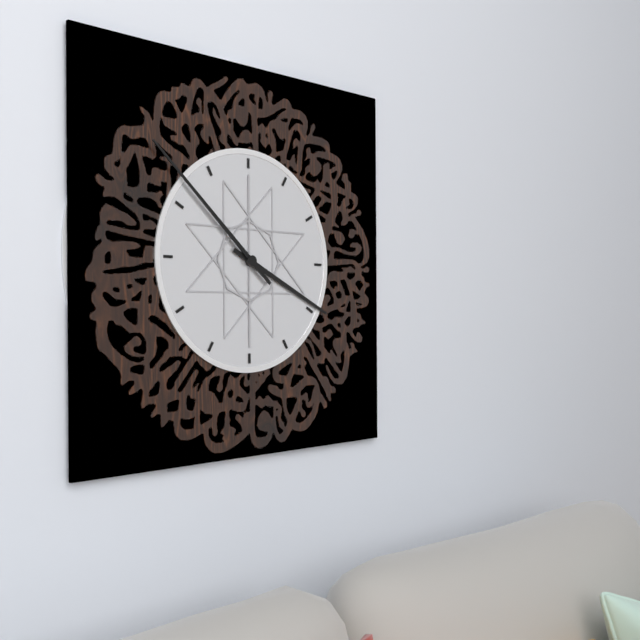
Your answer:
3 h 52 min
